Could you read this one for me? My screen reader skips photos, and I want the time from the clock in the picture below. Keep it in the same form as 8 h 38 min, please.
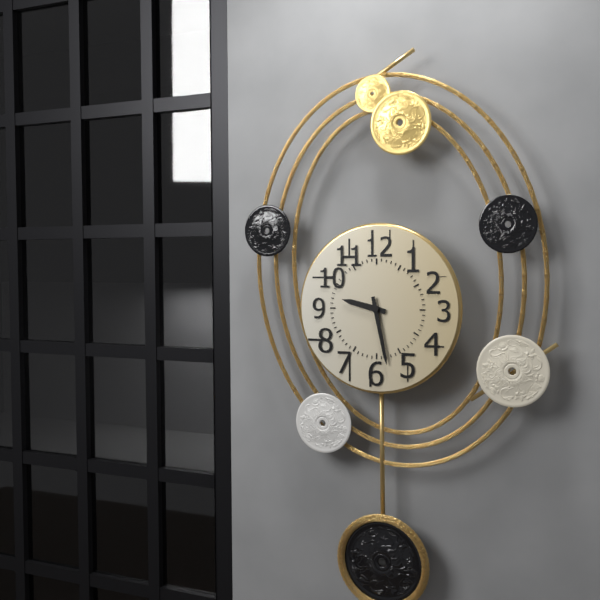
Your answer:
9 h 28 min
